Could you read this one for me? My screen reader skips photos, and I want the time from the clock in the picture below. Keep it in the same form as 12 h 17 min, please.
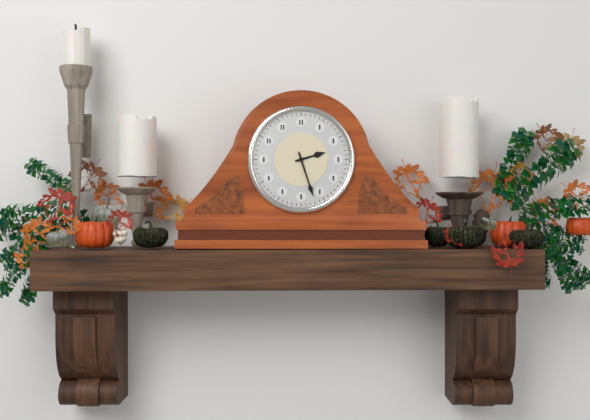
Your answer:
2 h 27 min
